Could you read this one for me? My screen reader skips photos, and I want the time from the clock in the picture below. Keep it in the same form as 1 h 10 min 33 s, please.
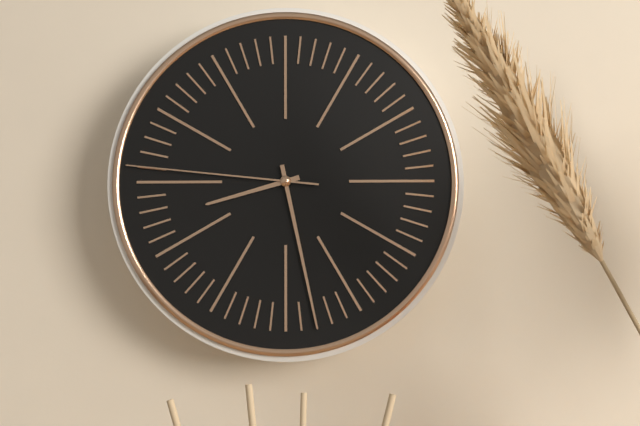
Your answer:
8 h 28 min 46 s
